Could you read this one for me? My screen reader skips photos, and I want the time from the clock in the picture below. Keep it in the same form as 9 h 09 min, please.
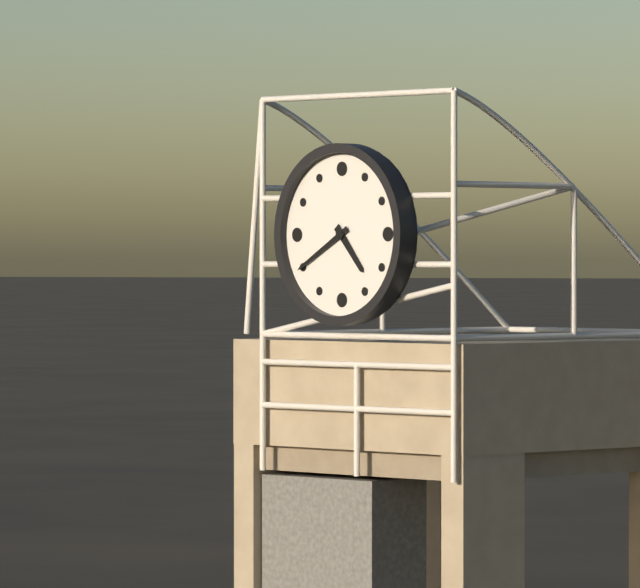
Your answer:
4 h 40 min
